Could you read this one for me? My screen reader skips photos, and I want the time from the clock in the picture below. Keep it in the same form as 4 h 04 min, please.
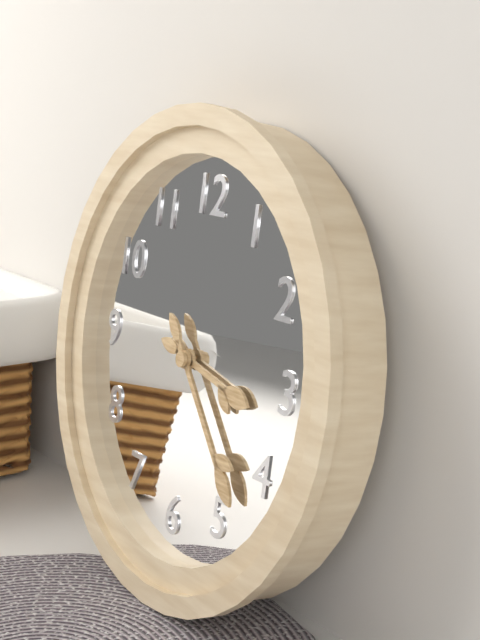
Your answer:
3 h 23 min
